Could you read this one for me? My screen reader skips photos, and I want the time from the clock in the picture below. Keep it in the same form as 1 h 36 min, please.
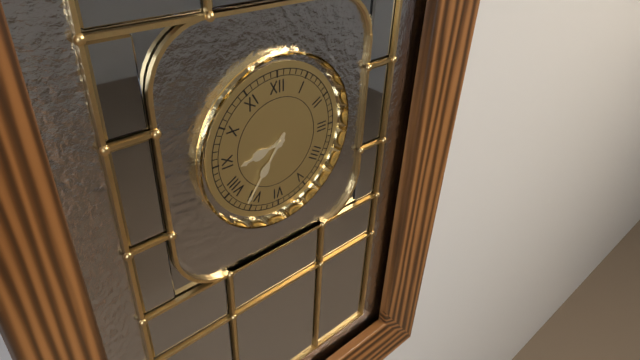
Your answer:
8 h 36 min
